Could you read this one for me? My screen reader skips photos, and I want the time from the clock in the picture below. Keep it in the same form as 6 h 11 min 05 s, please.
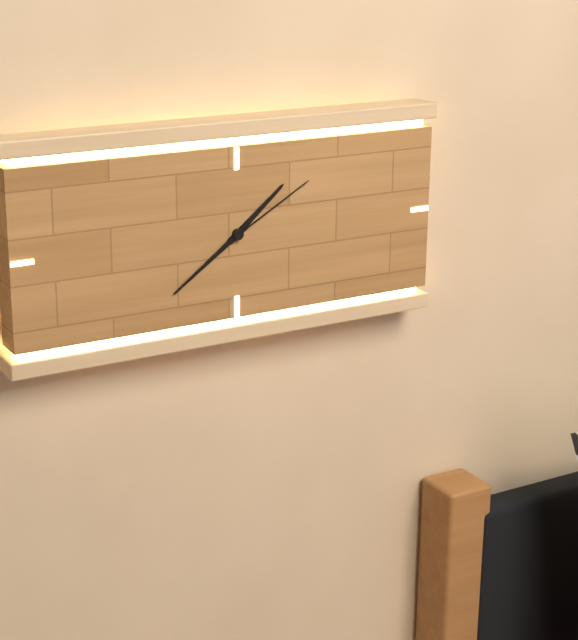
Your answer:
1 h 39 min 10 s
